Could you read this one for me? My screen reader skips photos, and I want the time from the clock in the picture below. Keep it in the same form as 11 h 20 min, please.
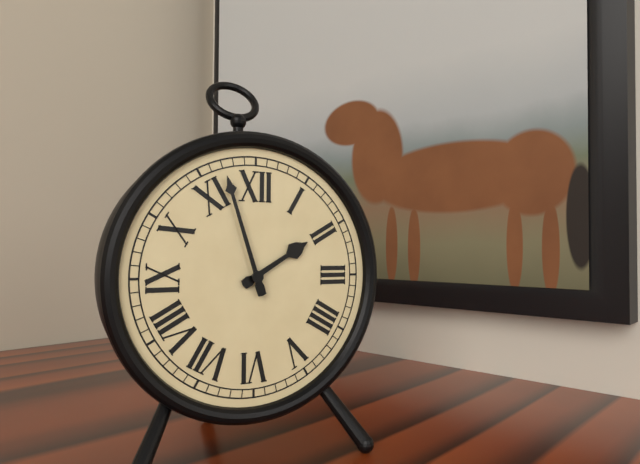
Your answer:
1 h 57 min
